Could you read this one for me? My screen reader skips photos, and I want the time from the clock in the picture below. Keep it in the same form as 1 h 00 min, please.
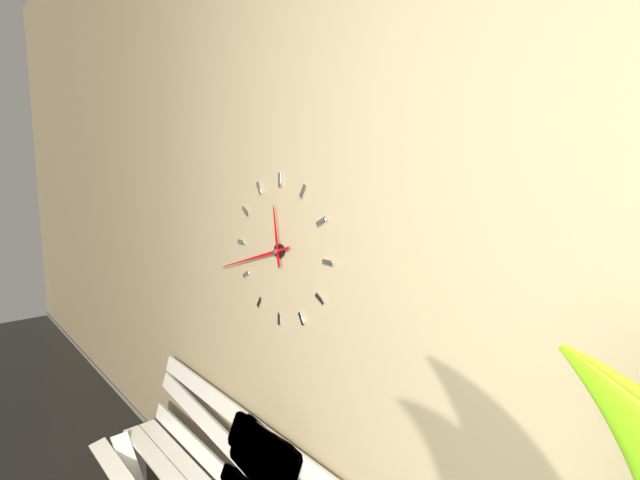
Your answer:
11 h 42 min
